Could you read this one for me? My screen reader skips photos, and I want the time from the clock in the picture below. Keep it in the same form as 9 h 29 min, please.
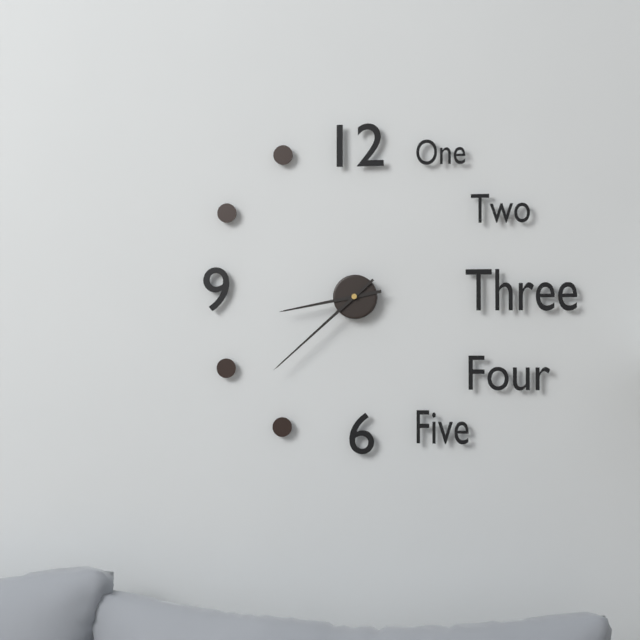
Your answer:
8 h 38 min
